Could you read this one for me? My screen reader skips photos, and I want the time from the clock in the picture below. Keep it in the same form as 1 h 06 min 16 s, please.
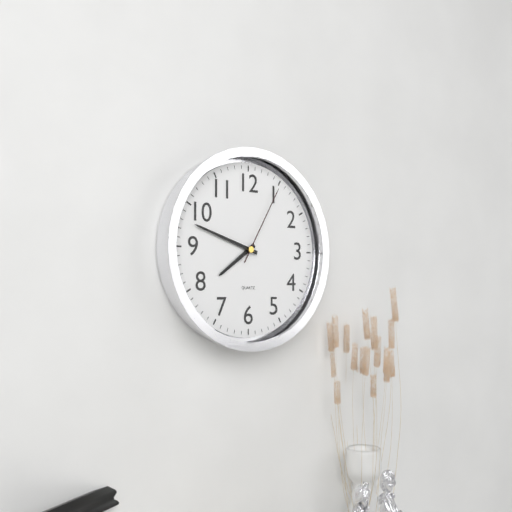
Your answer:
7 h 48 min 05 s
